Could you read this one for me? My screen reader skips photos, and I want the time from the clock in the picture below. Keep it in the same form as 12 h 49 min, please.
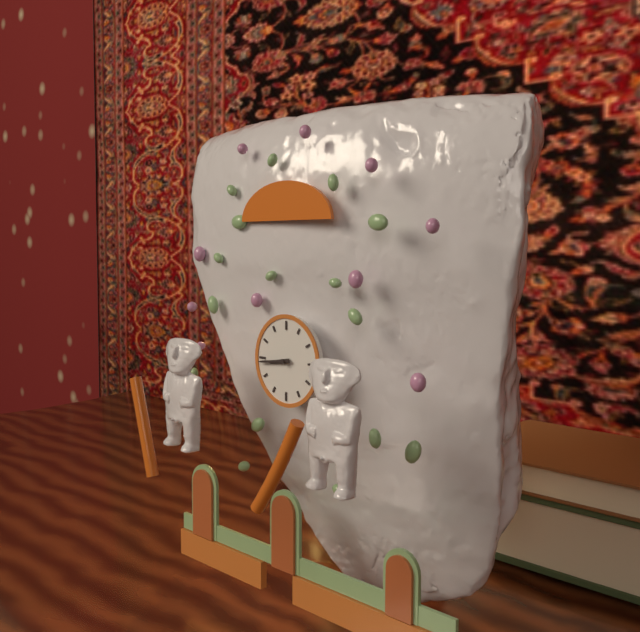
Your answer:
8 h 44 min
